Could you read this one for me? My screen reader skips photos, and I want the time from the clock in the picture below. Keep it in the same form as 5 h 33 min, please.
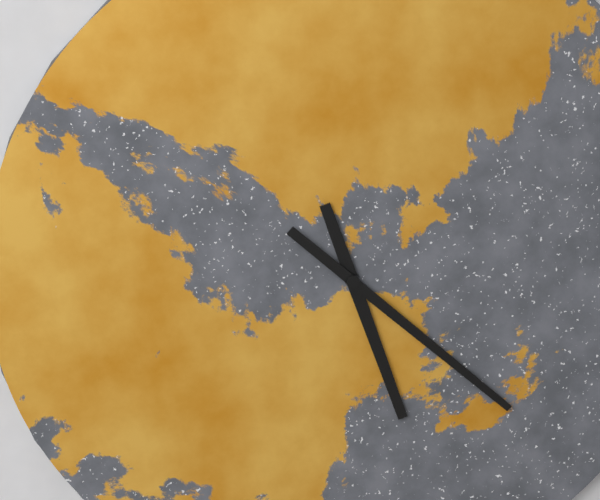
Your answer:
5 h 22 min
